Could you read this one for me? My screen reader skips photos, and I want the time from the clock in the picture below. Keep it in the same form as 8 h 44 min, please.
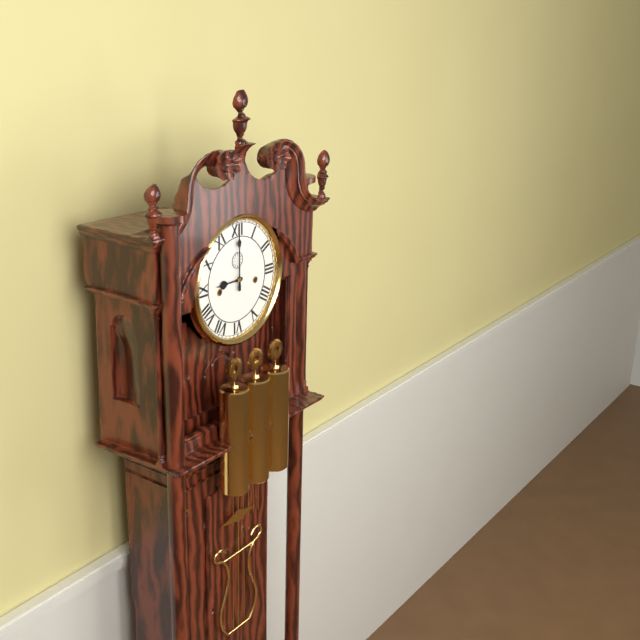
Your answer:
9 h 00 min
